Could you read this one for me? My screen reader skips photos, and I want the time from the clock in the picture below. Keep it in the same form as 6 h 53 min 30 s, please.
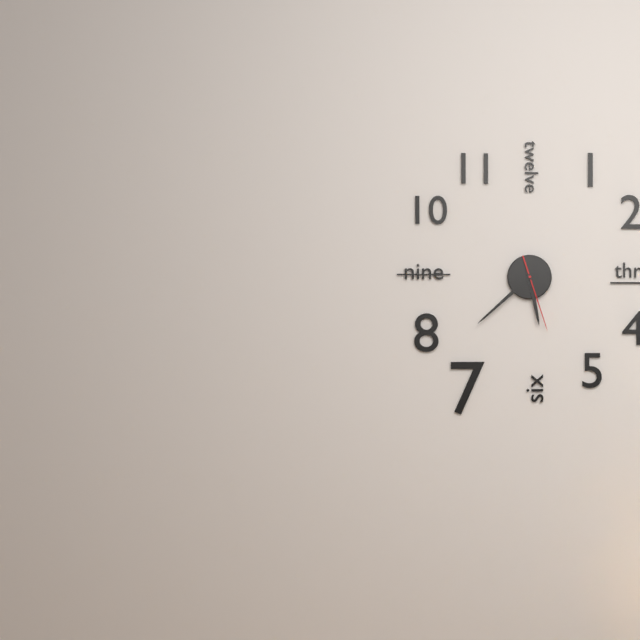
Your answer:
5 h 38 min 27 s
